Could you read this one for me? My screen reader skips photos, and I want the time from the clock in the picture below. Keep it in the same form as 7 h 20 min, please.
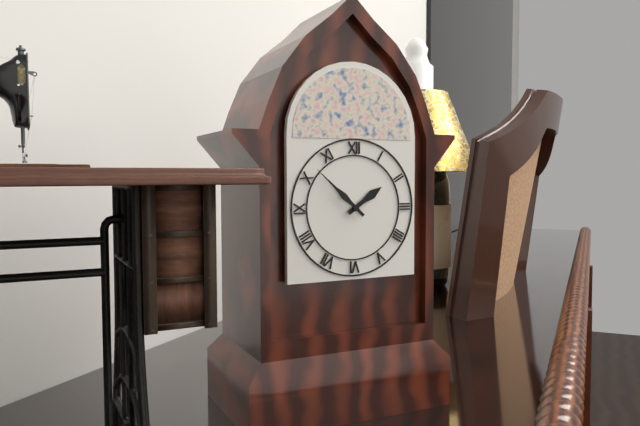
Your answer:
1 h 52 min
